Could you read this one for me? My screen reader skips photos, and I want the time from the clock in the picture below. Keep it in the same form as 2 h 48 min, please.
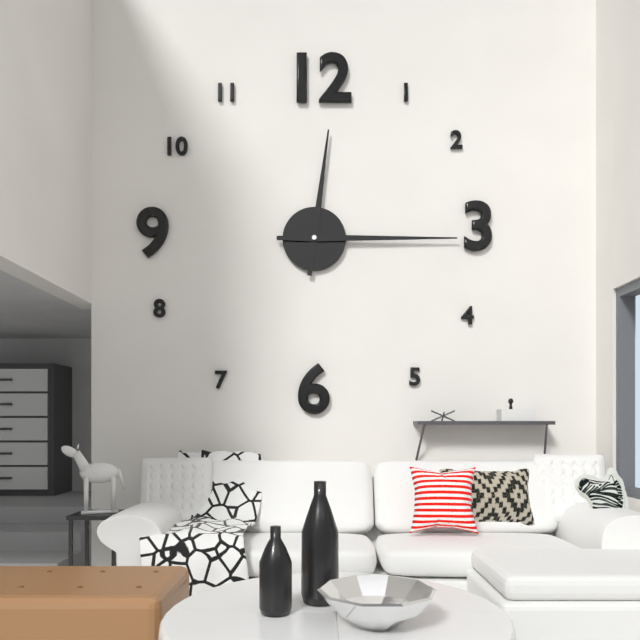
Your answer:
12 h 15 min
